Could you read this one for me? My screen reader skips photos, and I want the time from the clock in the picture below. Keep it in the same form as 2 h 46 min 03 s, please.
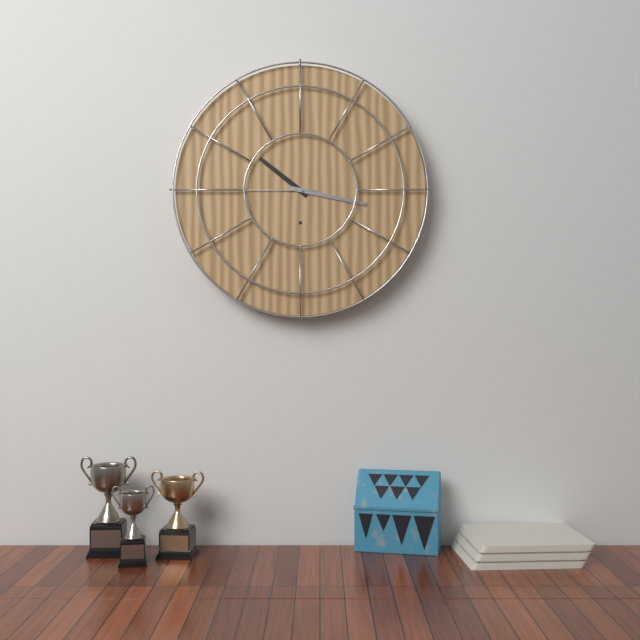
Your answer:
10 h 17 min 45 s
